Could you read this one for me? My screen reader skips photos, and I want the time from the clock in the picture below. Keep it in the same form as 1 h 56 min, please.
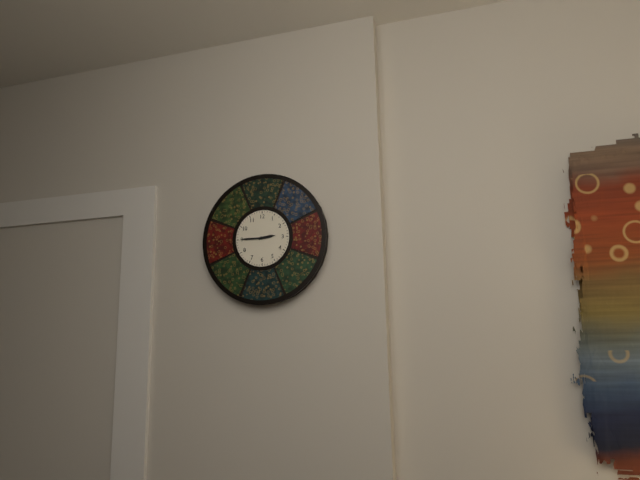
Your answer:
2 h 45 min
